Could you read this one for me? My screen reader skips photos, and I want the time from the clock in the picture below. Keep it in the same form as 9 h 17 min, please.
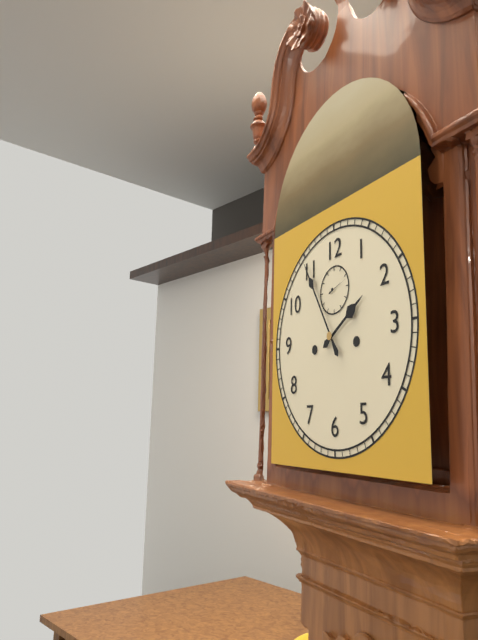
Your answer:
1 h 55 min
